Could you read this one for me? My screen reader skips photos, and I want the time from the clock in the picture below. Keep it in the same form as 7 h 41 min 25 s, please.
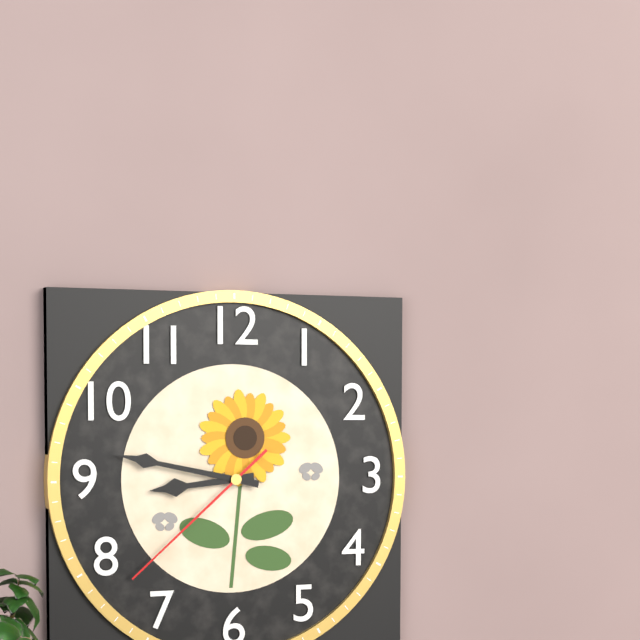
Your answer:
8 h 47 min 38 s
